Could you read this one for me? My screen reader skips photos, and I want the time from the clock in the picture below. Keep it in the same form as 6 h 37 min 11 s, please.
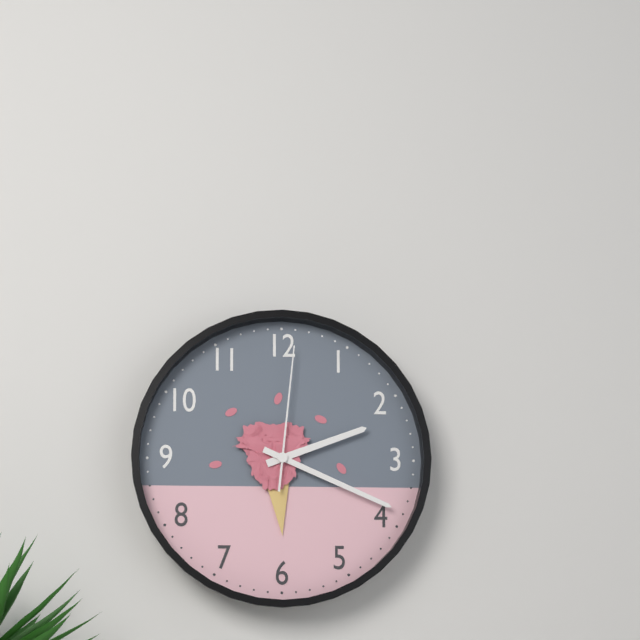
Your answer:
2 h 19 min 01 s
